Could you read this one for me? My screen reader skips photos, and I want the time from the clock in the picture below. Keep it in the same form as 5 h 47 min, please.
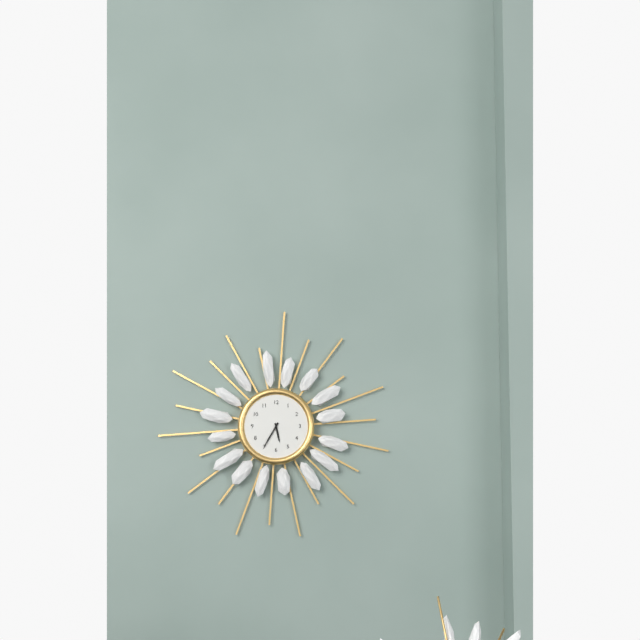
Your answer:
5 h 35 min
